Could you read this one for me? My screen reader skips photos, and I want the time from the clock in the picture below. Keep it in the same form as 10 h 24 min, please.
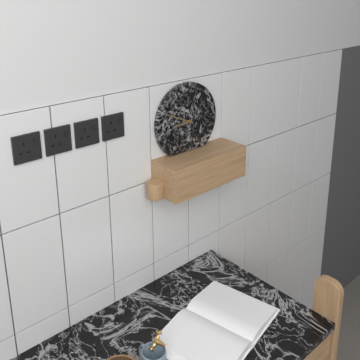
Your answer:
8 h 49 min
